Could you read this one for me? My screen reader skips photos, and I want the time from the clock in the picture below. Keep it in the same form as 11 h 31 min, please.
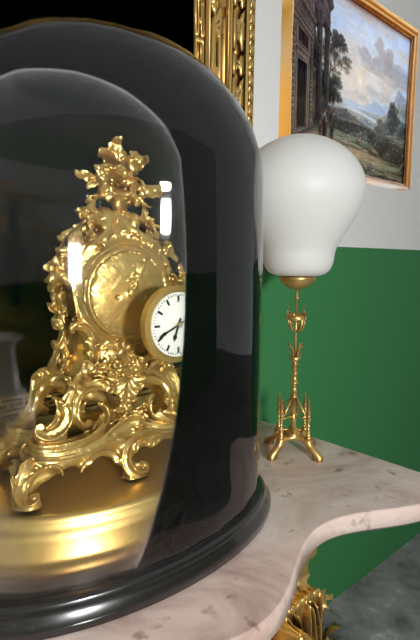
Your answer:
6 h 41 min
